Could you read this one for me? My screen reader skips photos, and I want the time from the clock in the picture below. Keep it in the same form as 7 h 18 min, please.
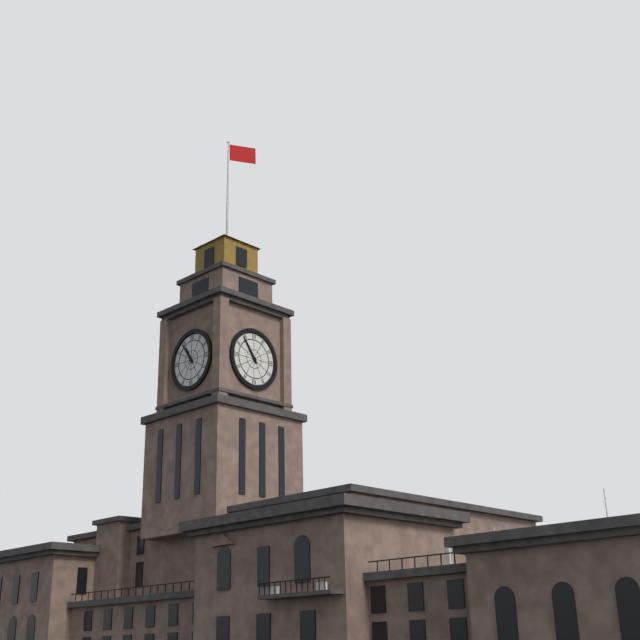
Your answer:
10 h 54 min
